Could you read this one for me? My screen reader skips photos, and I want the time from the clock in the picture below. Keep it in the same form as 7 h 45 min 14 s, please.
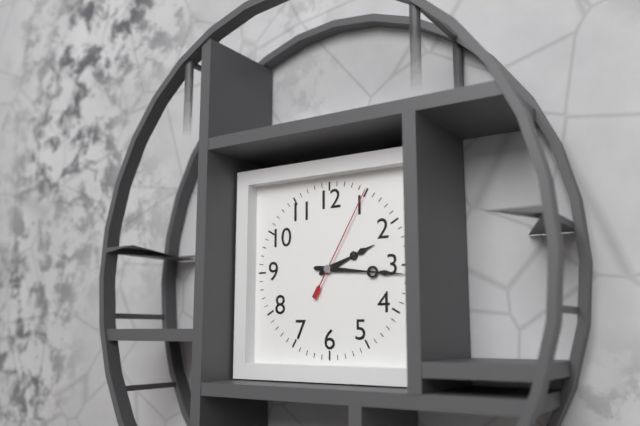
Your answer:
2 h 16 min 05 s
